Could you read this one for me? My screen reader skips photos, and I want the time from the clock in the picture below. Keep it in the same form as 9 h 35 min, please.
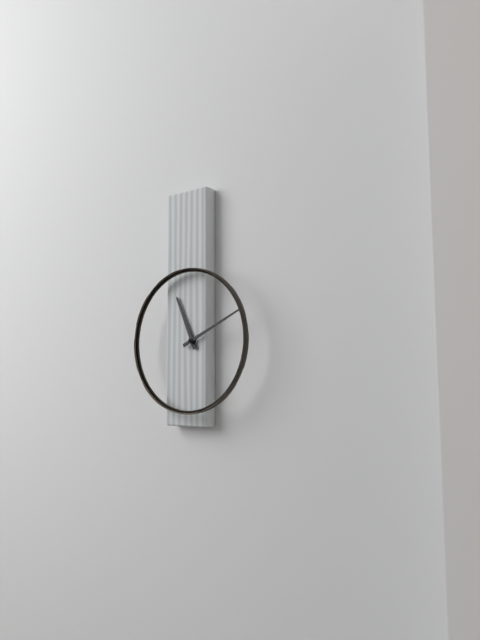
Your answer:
11 h 11 min
